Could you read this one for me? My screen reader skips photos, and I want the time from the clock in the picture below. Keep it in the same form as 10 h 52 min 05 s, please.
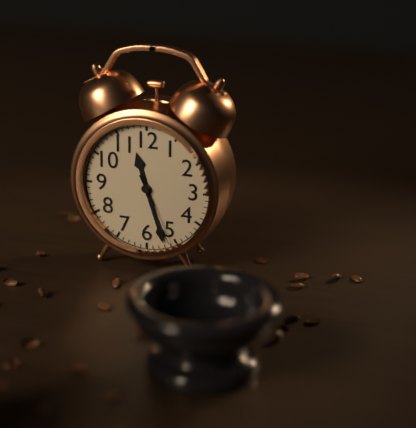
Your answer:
11 h 27 min 26 s
